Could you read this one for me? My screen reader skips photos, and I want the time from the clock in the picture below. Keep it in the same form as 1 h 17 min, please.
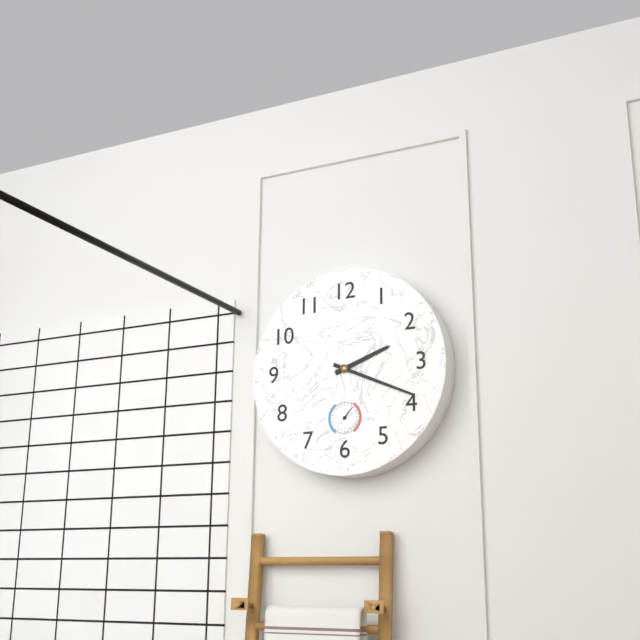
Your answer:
2 h 19 min
